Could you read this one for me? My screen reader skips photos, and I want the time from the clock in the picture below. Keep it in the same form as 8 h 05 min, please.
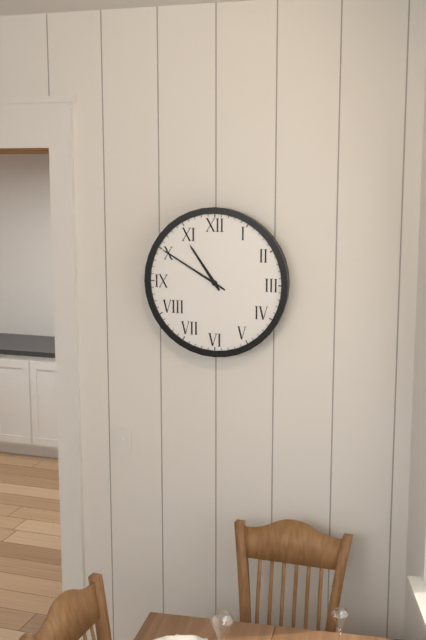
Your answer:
10 h 50 min
